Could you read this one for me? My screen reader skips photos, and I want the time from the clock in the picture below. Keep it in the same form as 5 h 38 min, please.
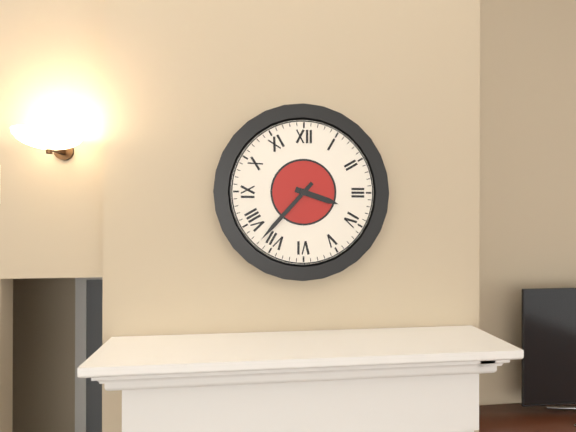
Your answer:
3 h 37 min
